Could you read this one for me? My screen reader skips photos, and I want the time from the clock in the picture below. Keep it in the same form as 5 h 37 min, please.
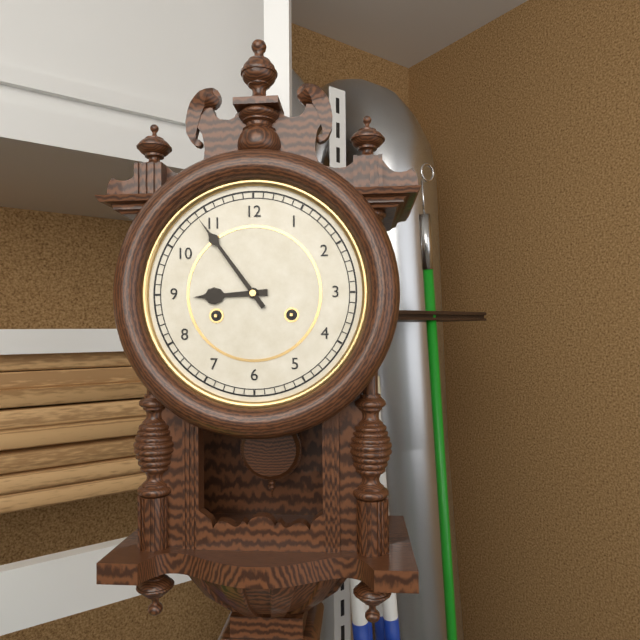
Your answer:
8 h 54 min
